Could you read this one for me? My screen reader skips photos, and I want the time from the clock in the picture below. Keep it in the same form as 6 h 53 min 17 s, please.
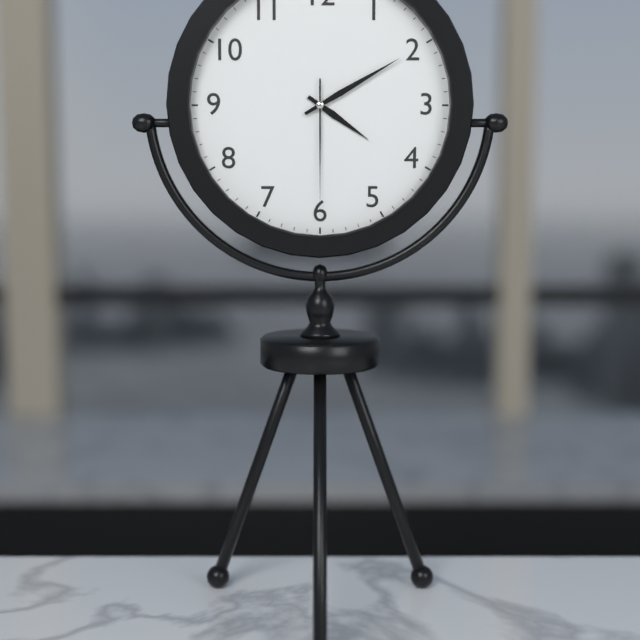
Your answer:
4 h 10 min 30 s
